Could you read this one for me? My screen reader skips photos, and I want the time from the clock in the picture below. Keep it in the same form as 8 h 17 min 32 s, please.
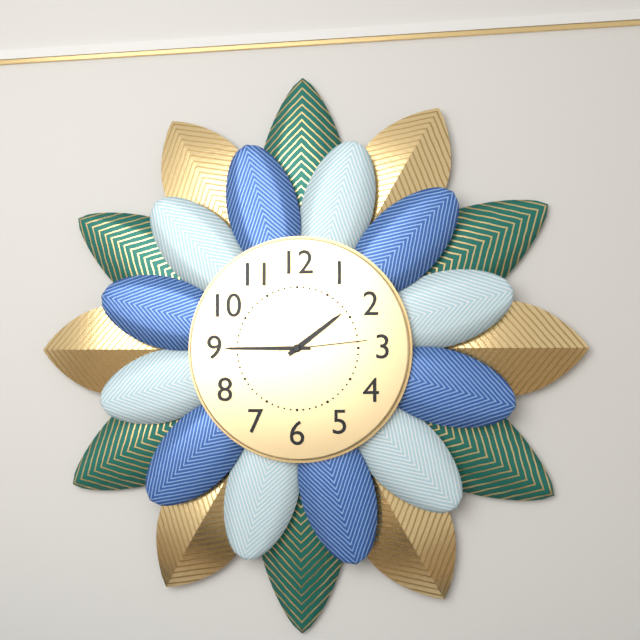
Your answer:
1 h 45 min 14 s
